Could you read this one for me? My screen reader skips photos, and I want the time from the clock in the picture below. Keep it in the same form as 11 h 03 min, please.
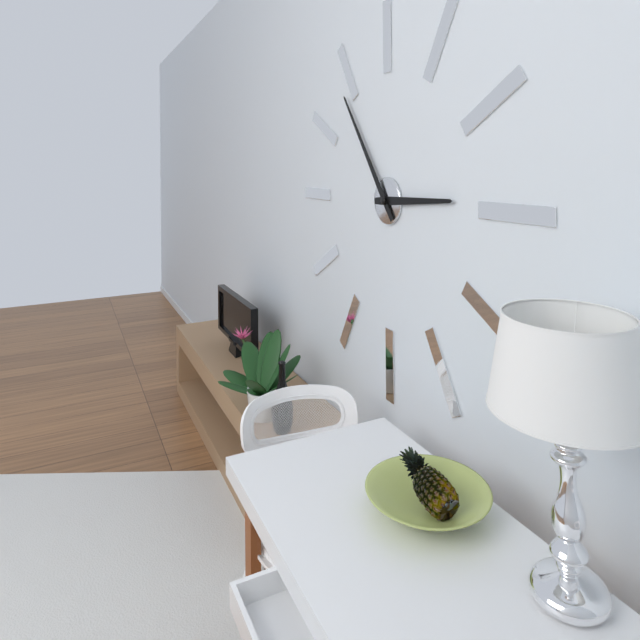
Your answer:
2 h 54 min
